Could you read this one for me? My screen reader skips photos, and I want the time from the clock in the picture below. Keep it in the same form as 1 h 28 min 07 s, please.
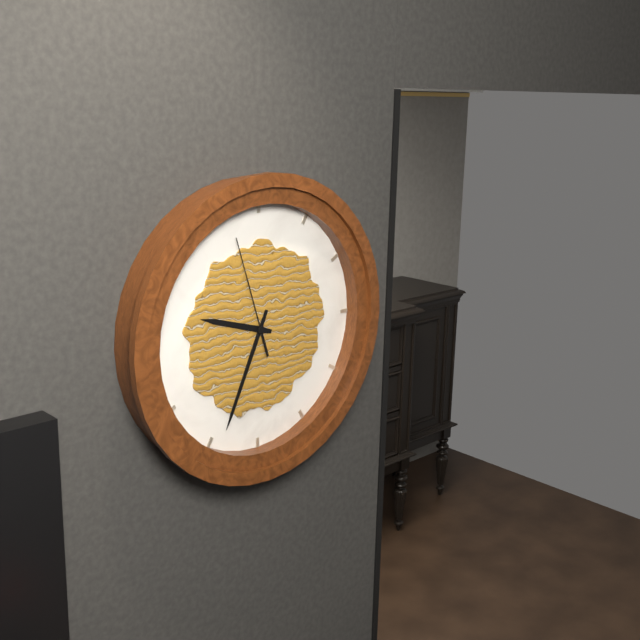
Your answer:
9 h 34 min 57 s
